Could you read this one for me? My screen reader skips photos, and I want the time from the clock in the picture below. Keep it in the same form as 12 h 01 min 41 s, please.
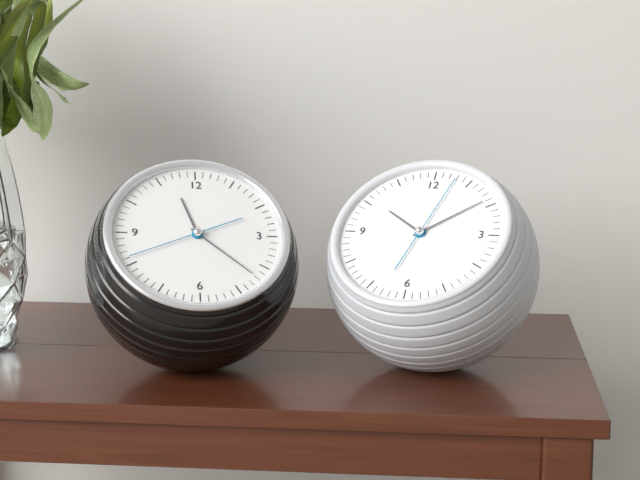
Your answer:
11 h 22 min 41 s
